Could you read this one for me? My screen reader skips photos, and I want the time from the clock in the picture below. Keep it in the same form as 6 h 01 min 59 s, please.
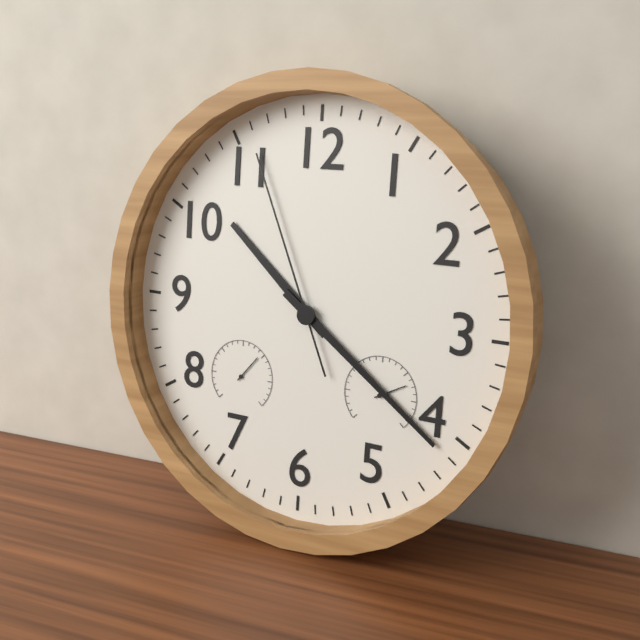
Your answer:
10 h 21 min 56 s
